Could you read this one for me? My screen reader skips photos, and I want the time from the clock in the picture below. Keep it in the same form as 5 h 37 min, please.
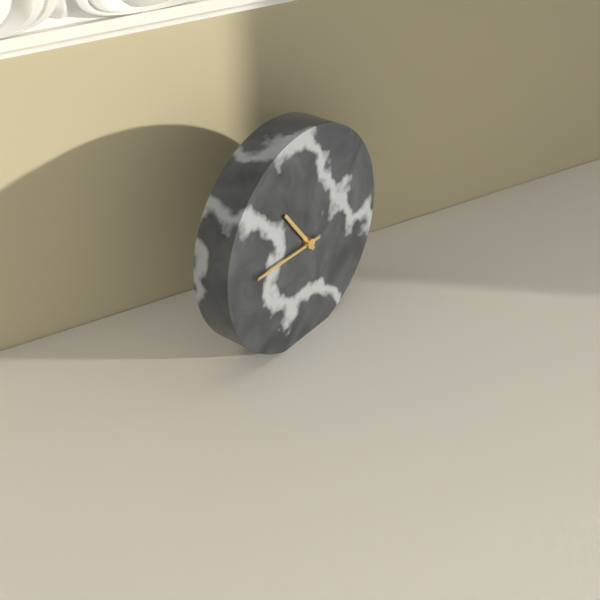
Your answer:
10 h 45 min
